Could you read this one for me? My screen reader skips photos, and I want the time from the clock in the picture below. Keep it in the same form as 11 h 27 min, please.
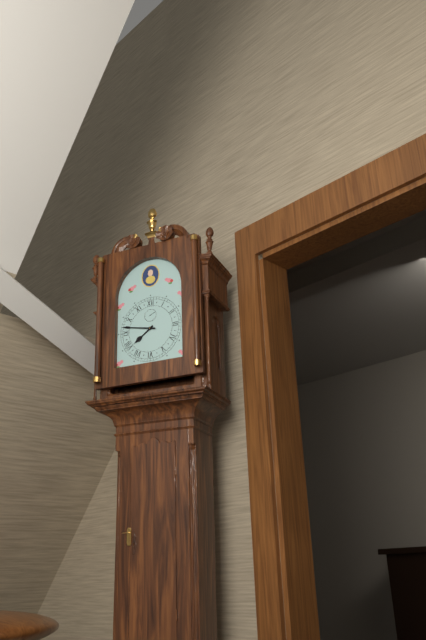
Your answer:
7 h 47 min
